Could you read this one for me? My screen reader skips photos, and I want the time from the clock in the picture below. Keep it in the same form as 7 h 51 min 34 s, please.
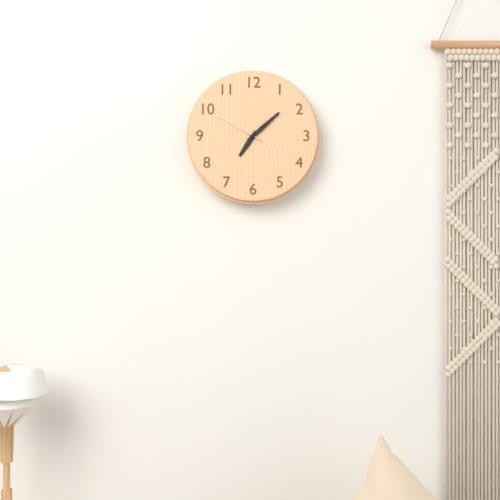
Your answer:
7 h 08 min 50 s
